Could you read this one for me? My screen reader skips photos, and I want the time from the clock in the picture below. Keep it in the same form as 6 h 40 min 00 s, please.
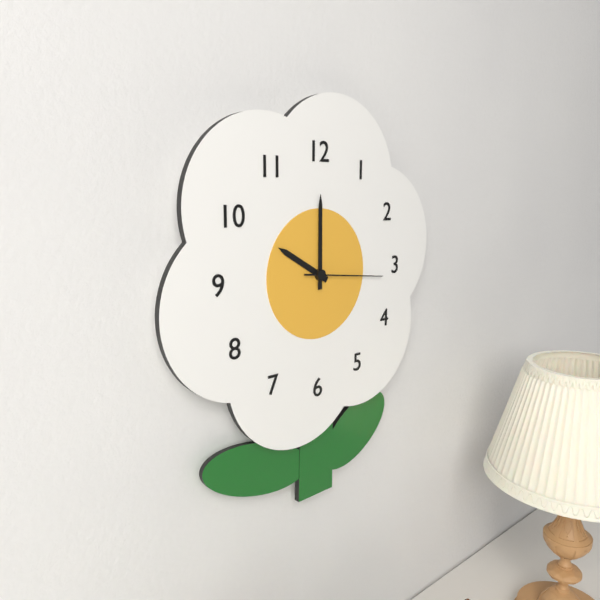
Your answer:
10 h 00 min 16 s
